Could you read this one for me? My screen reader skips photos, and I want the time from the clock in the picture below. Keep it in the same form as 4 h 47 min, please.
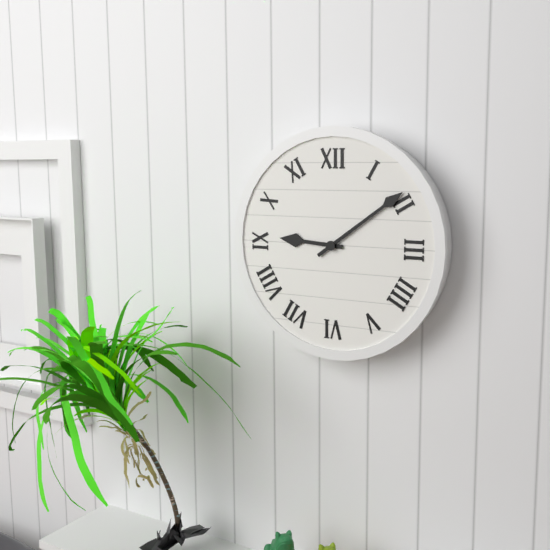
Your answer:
9 h 09 min
